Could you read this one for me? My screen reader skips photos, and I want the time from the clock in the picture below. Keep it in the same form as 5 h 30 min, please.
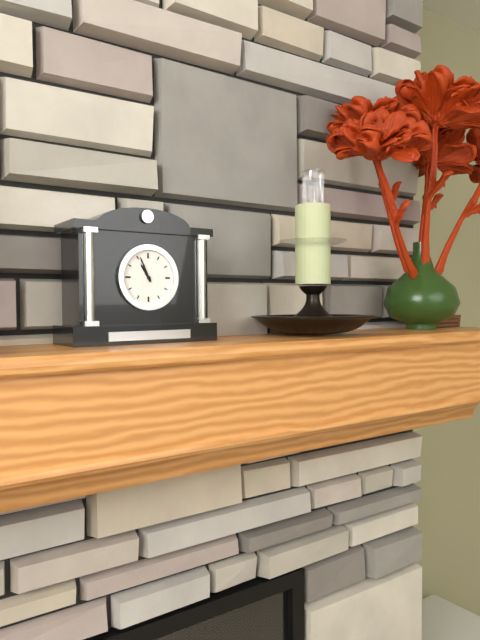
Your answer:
10 h 56 min
